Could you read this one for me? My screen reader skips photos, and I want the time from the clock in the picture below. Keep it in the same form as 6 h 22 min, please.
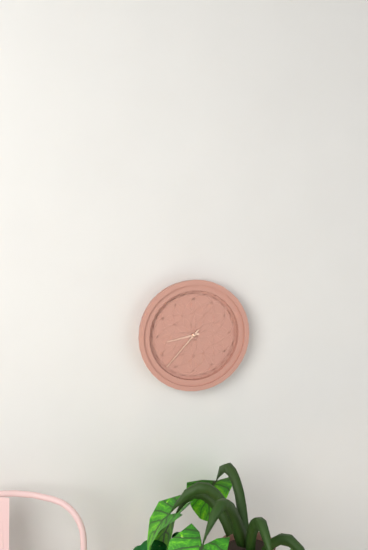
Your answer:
8 h 37 min
